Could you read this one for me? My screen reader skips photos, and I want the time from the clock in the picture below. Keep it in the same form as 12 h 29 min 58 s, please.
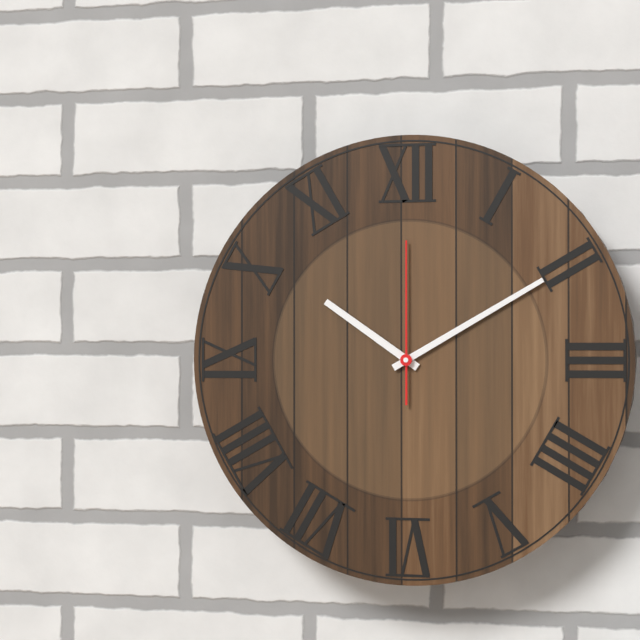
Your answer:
10 h 10 min 00 s
